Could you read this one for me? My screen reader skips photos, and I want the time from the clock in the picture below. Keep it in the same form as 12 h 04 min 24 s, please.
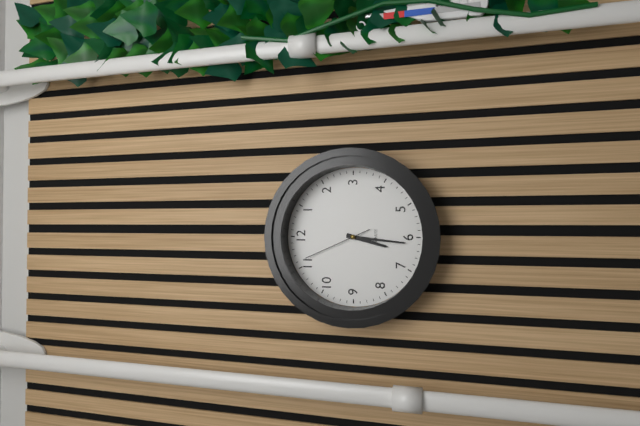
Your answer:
6 h 31 min 56 s
